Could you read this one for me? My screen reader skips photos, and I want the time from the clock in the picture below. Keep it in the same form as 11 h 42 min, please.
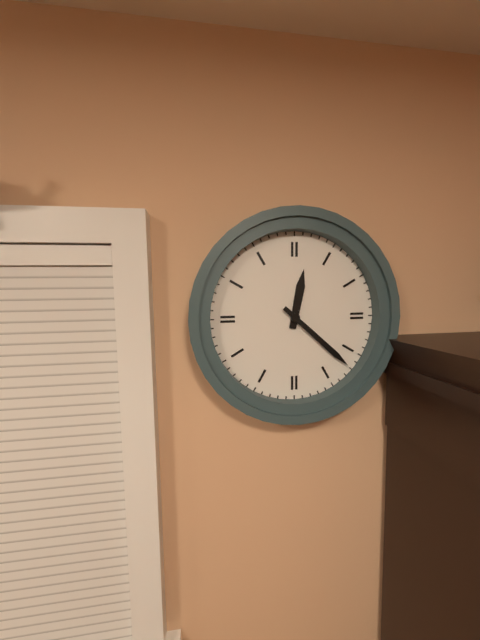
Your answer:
12 h 22 min
